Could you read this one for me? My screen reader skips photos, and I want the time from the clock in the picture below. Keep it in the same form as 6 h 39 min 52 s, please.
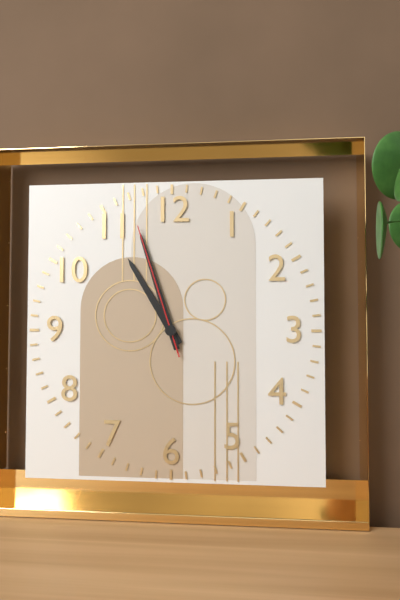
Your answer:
10 h 57 min 57 s
